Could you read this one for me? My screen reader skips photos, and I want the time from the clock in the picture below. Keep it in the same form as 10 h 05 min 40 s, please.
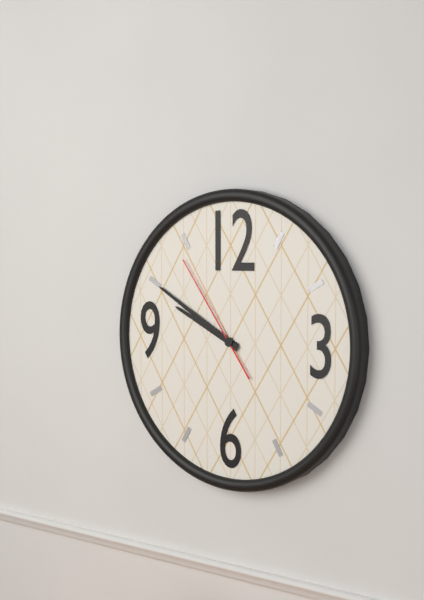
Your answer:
9 h 50 min 54 s
